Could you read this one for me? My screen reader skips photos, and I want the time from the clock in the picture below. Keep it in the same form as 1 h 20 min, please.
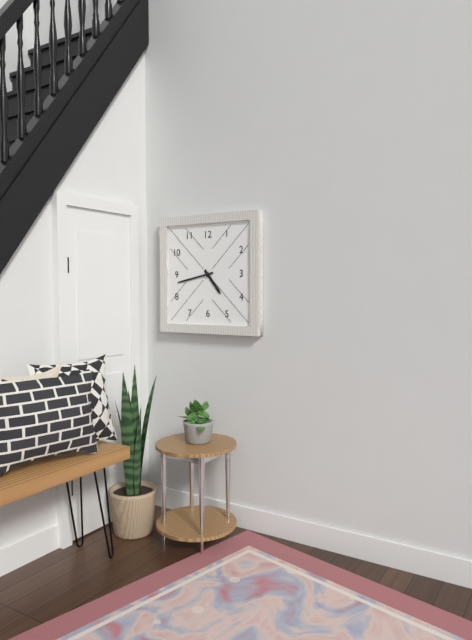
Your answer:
4 h 43 min
